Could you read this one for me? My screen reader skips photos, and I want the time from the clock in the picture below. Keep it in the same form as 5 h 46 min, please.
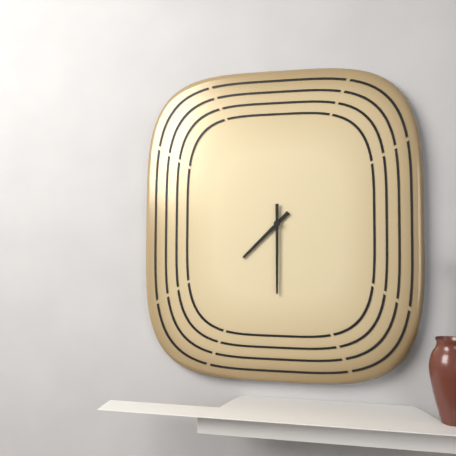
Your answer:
7 h 30 min
